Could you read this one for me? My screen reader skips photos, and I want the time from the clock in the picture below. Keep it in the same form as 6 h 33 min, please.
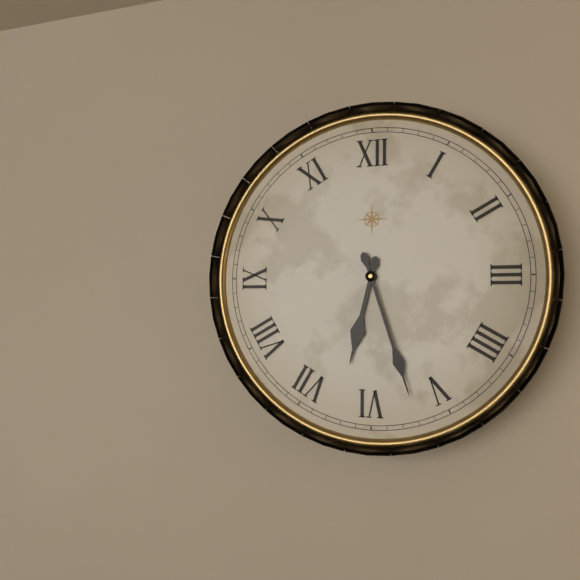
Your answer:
6 h 27 min
